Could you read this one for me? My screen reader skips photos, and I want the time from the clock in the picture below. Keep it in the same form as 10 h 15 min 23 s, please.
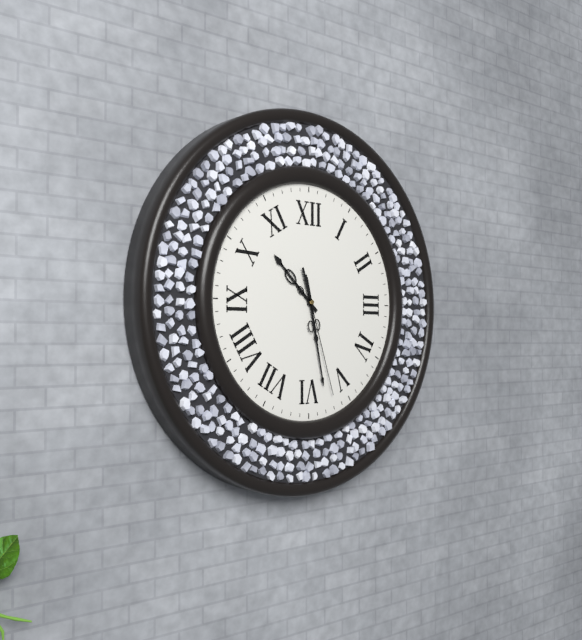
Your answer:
10 h 28 min 27 s
